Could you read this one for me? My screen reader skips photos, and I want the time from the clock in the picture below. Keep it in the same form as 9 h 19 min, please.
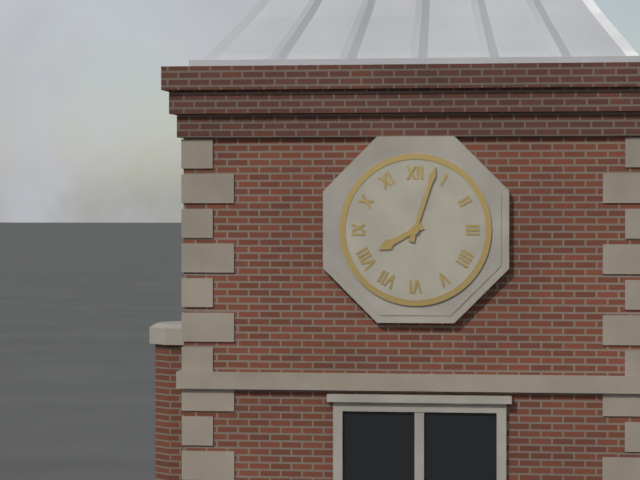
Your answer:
8 h 03 min
